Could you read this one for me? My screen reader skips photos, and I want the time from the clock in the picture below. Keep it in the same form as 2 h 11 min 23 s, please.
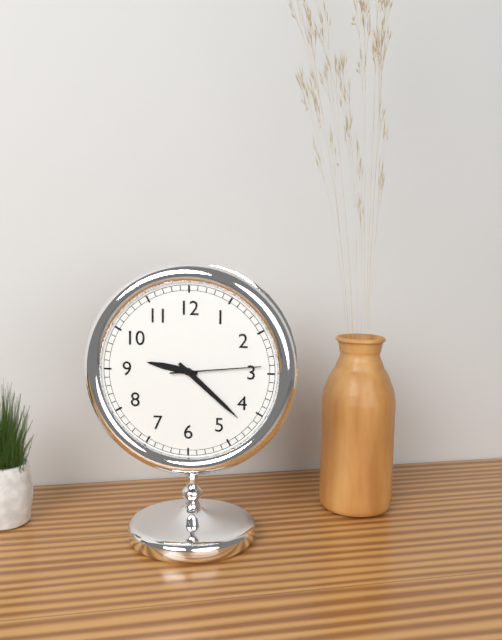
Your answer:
9 h 22 min 14 s
